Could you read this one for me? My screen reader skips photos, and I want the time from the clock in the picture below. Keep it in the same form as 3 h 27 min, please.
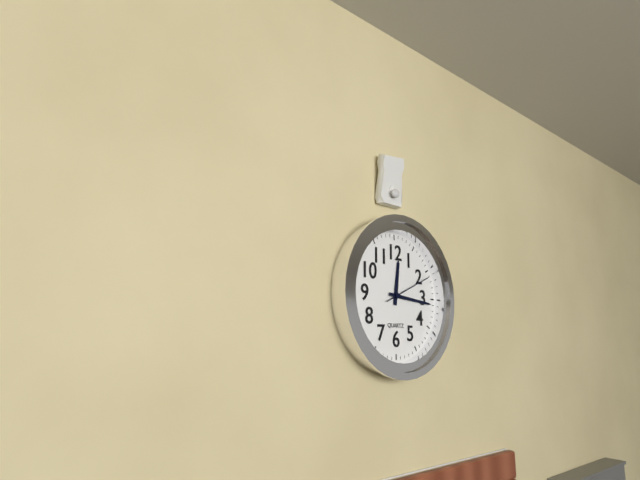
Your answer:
12 h 16 min
